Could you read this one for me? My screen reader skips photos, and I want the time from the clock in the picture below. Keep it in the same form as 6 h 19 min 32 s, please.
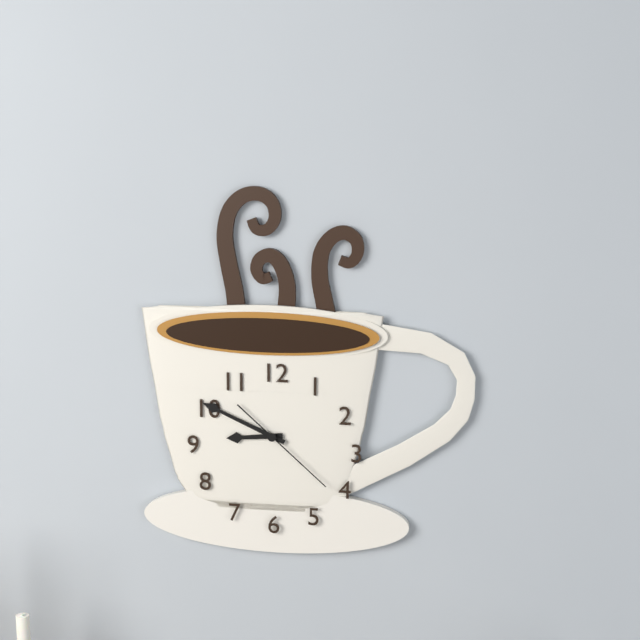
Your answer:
8 h 49 min 22 s
